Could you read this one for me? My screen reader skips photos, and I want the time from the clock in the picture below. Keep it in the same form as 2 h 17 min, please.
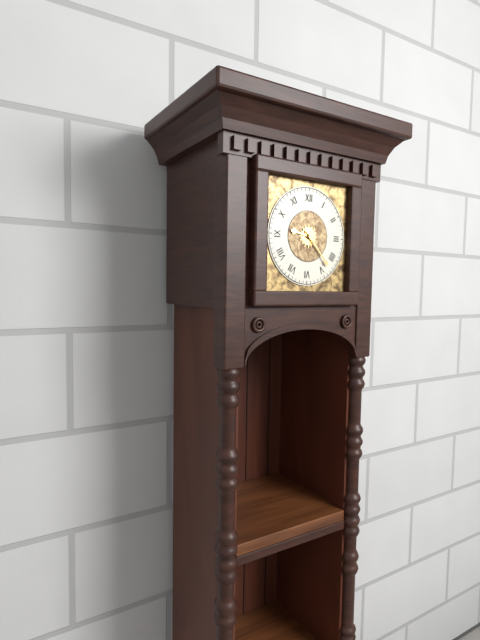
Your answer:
9 h 23 min
